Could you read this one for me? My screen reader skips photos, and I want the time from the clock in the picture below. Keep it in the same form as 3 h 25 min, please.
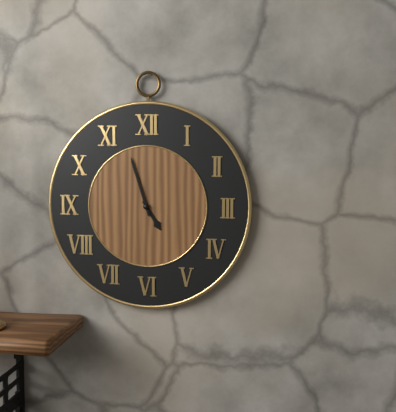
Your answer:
4 h 57 min
